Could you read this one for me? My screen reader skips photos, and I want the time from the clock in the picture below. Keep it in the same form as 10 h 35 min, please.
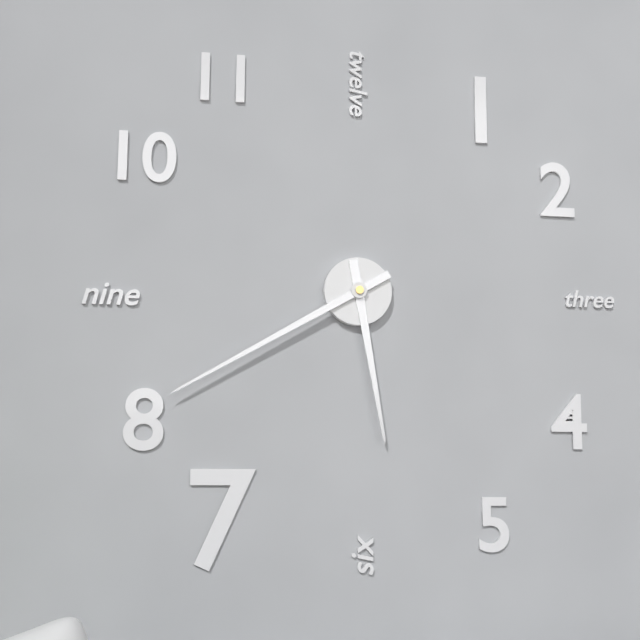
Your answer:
5 h 40 min
